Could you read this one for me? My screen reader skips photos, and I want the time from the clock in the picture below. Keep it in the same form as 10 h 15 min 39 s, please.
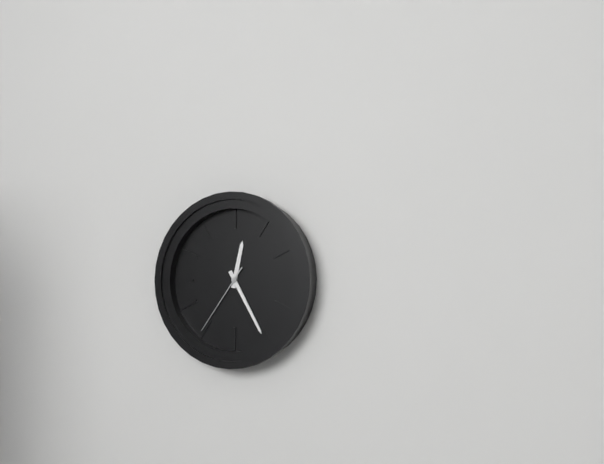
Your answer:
12 h 25 min 36 s
